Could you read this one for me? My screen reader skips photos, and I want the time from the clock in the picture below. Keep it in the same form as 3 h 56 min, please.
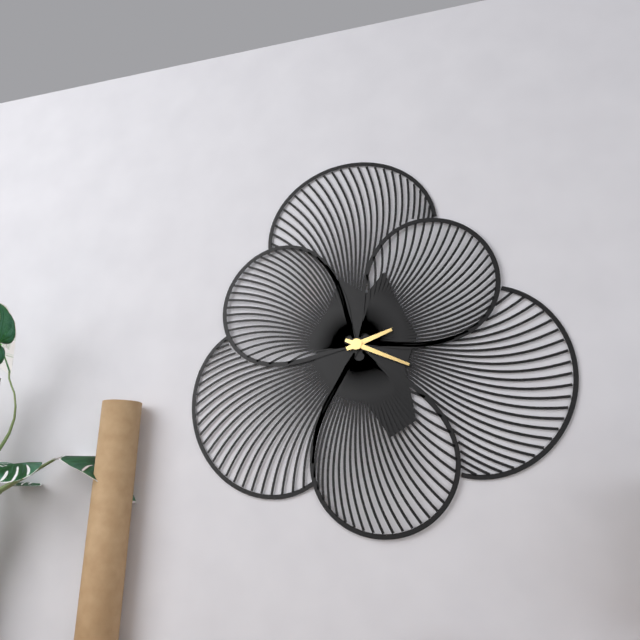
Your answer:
2 h 19 min
